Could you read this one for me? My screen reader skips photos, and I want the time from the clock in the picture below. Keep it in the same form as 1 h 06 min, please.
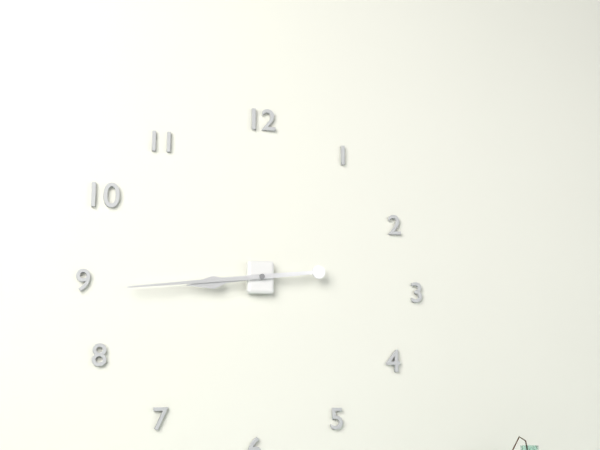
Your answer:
8 h 44 min
